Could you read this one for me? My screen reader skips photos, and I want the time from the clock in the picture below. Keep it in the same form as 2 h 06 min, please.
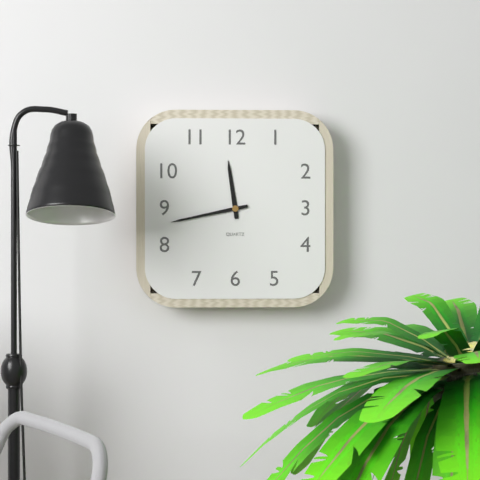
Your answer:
11 h 43 min
